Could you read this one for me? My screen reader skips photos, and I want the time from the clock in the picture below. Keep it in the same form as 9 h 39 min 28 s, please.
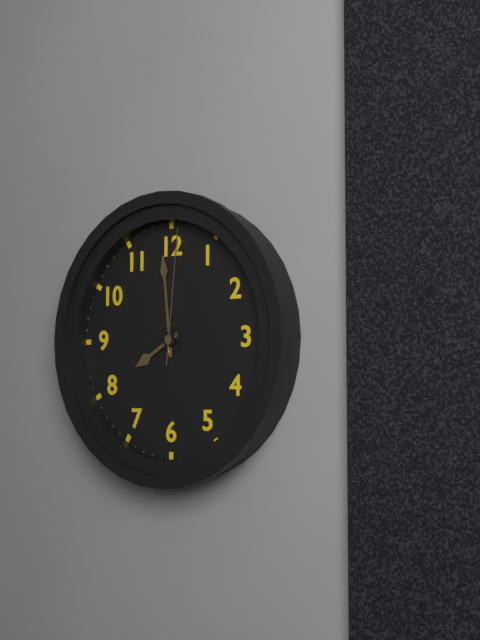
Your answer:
7 h 59 min 01 s
